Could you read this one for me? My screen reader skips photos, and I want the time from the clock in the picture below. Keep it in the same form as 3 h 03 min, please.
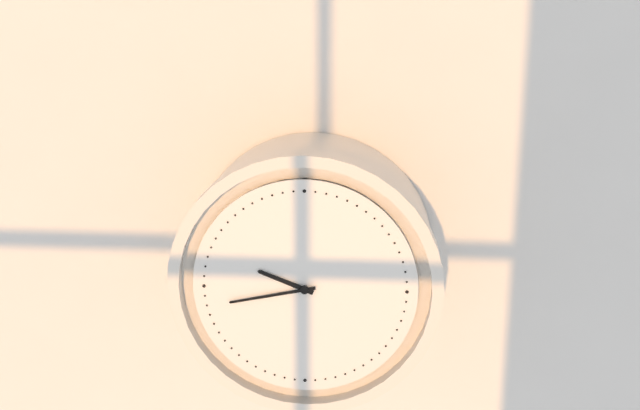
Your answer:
9 h 43 min
